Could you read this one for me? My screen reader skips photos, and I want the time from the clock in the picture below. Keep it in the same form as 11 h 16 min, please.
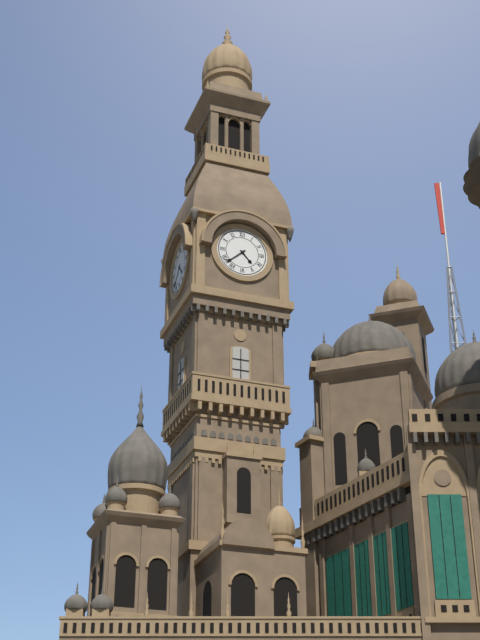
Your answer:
4 h 38 min
